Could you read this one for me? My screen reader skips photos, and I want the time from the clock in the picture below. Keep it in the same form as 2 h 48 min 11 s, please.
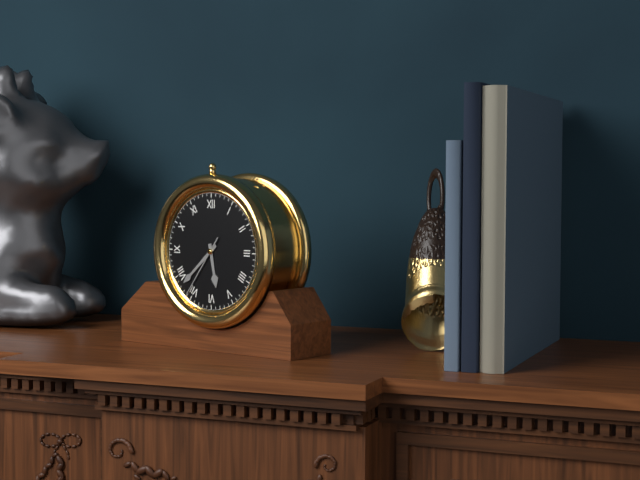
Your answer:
5 h 38 min 36 s
